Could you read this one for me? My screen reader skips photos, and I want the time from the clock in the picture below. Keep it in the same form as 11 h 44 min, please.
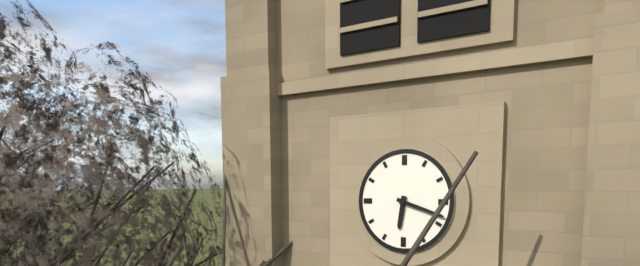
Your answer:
6 h 18 min
